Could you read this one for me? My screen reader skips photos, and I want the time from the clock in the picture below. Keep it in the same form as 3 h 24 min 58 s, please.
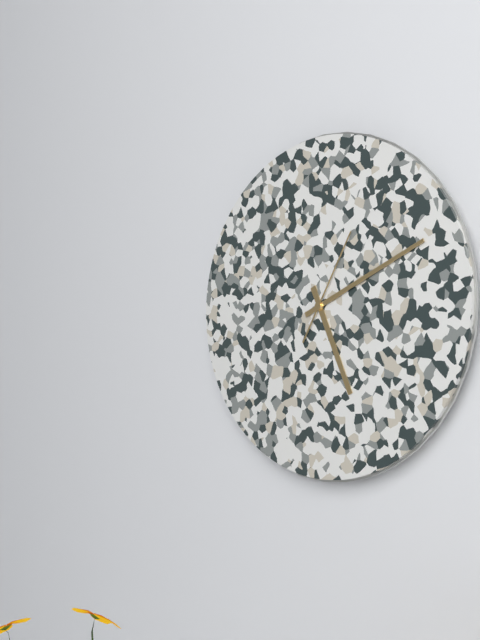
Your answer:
5 h 11 min 05 s
